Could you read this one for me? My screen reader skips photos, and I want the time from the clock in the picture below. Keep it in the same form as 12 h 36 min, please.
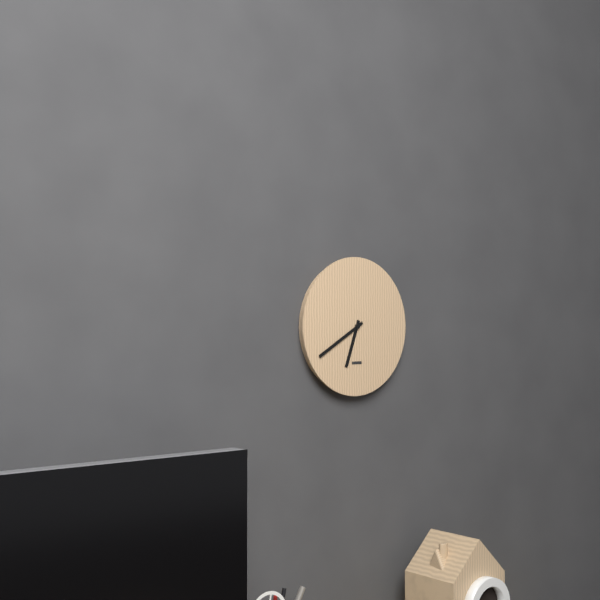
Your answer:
6 h 40 min
